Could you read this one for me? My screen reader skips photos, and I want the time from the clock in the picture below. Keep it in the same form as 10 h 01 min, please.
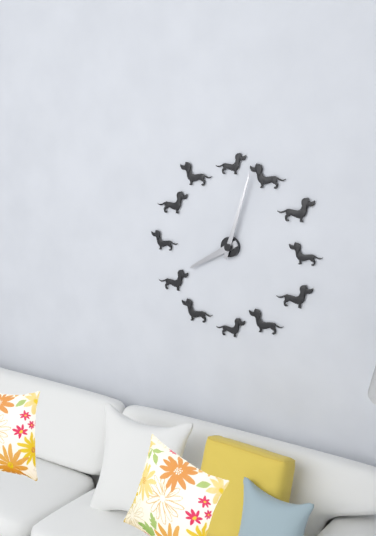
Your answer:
8 h 03 min
